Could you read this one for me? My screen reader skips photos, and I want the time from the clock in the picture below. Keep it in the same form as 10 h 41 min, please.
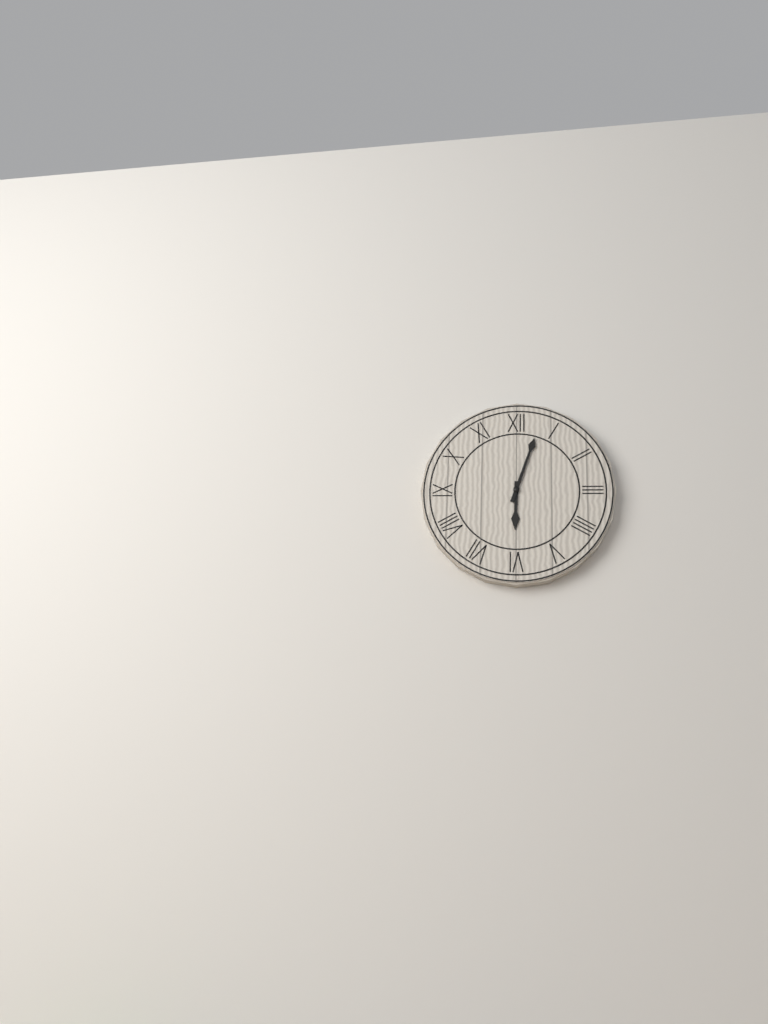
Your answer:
6 h 03 min
